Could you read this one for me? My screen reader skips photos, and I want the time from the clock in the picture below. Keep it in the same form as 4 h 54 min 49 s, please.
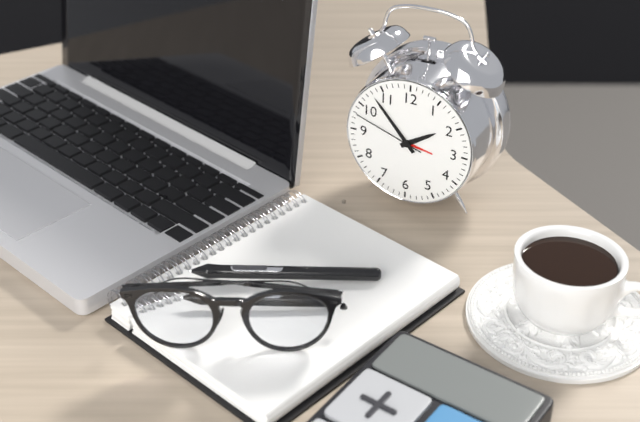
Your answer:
1 h 53 min 48 s
